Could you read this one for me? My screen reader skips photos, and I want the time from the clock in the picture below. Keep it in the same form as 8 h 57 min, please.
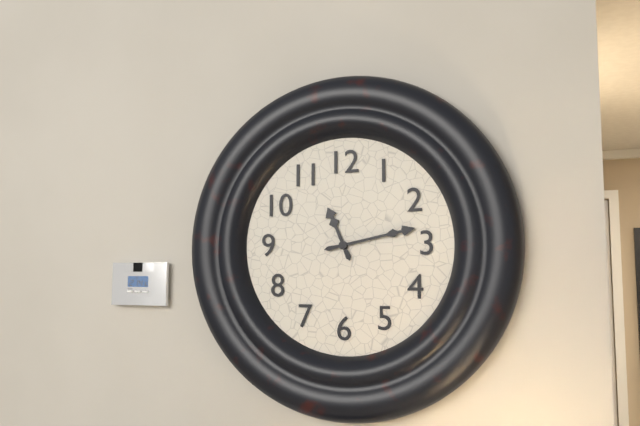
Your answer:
11 h 13 min
